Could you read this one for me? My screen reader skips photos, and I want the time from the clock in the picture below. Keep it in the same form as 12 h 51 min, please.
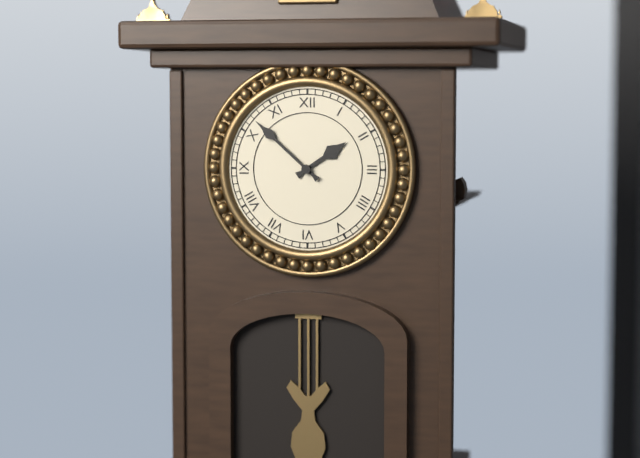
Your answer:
1 h 52 min
